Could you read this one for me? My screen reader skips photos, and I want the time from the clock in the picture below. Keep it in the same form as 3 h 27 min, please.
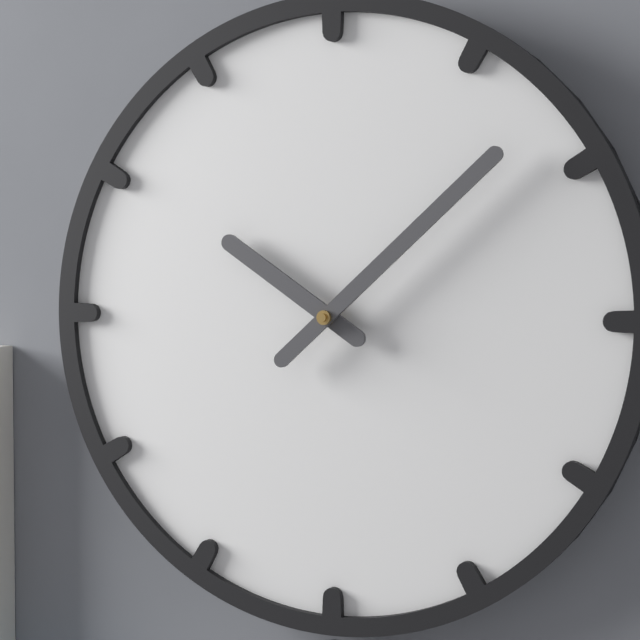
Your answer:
10 h 08 min
